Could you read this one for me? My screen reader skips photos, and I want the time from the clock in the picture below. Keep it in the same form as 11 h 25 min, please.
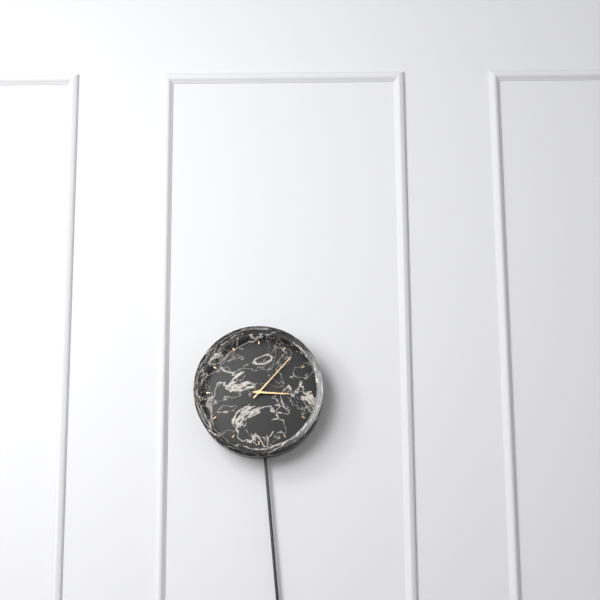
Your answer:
3 h 07 min
